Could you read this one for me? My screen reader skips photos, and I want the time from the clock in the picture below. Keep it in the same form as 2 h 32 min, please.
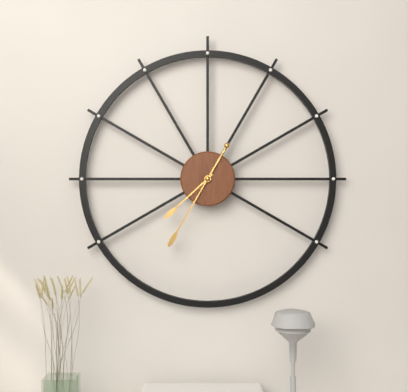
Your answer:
7 h 35 min
